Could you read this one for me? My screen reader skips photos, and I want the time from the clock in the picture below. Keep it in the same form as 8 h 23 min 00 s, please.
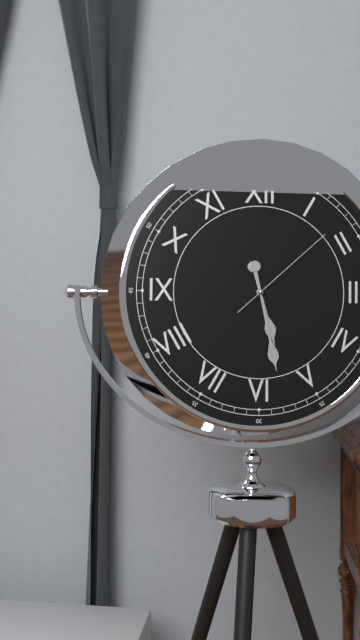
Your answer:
5 h 28 min 08 s
